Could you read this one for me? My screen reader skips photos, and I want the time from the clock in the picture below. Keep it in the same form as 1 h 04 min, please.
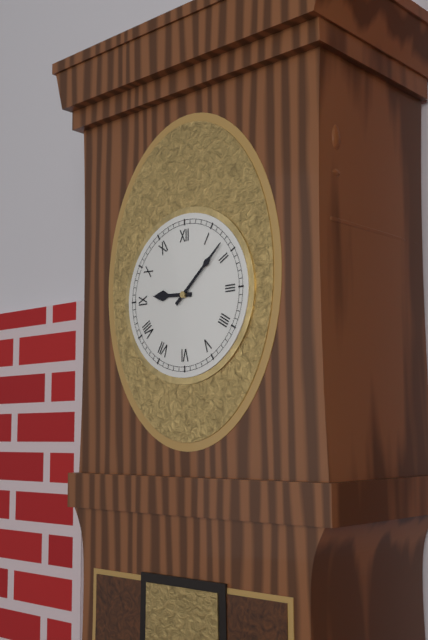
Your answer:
9 h 08 min
